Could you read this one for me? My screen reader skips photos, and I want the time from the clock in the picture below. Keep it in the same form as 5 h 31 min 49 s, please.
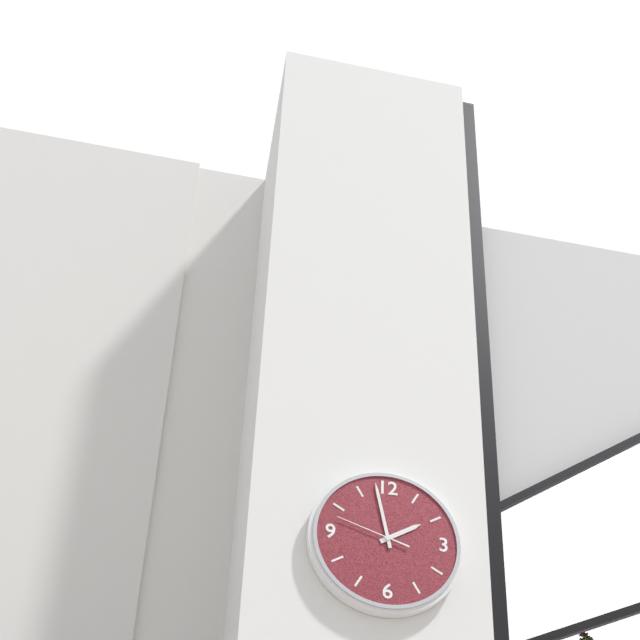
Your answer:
1 h 58 min 48 s
